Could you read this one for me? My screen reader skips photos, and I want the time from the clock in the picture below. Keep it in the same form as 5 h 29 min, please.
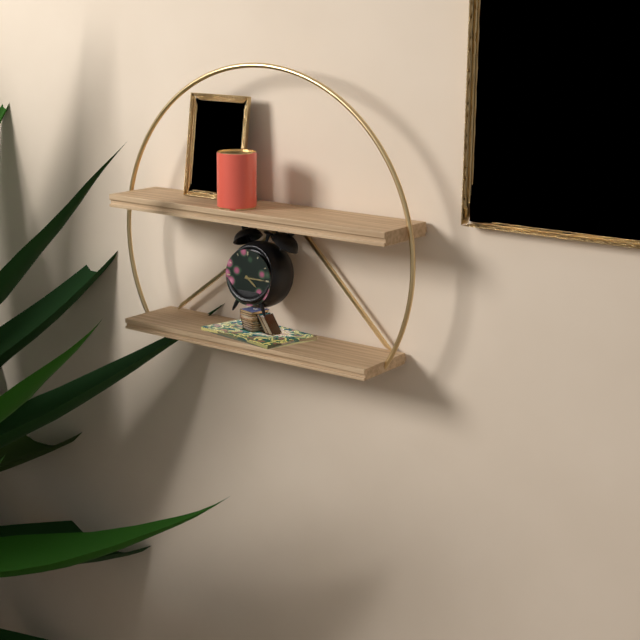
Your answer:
4 h 15 min
